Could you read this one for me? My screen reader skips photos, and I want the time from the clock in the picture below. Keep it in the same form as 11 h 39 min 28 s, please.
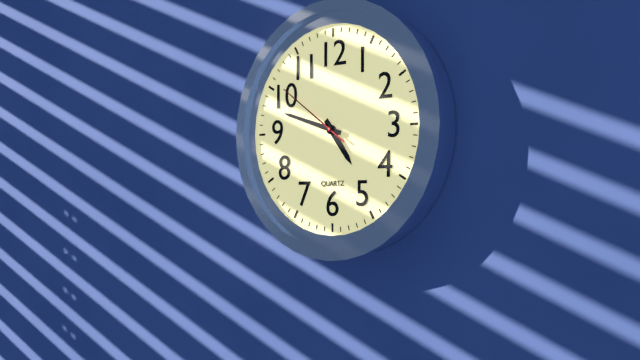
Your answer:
4 h 48 min 51 s
